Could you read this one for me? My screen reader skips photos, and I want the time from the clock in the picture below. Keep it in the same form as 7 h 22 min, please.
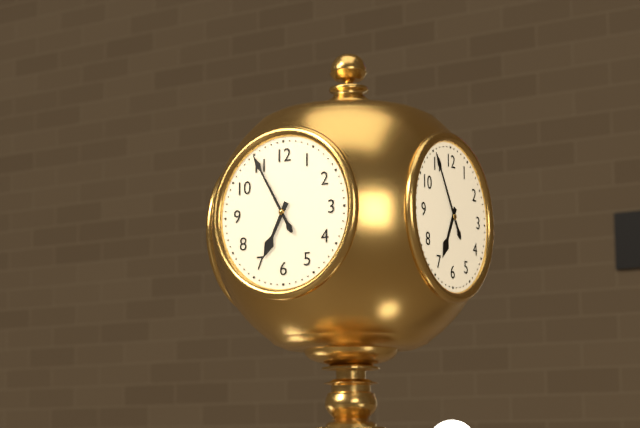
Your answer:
6 h 55 min
